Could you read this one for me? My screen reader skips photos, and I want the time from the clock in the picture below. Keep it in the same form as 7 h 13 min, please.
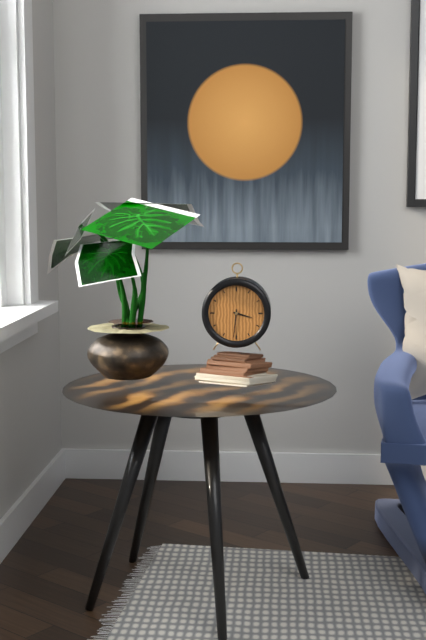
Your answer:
3 h 31 min
